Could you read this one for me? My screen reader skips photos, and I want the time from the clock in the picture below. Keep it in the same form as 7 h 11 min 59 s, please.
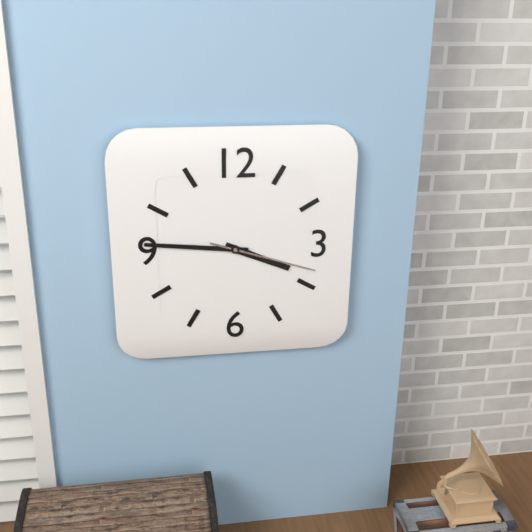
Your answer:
3 h 46 min 18 s
